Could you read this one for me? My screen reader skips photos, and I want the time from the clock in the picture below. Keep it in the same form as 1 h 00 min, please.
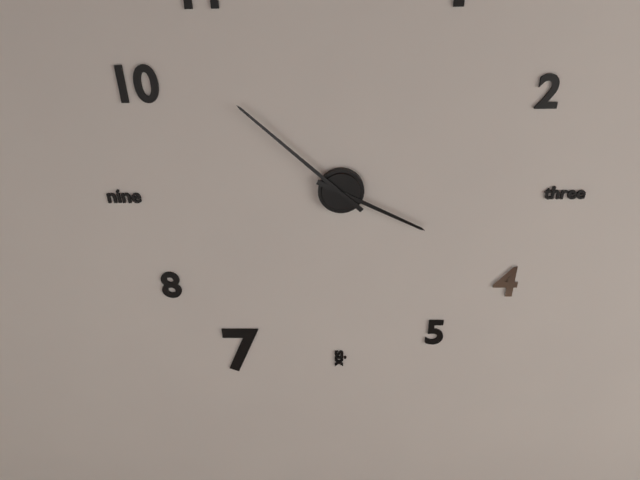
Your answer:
3 h 52 min
